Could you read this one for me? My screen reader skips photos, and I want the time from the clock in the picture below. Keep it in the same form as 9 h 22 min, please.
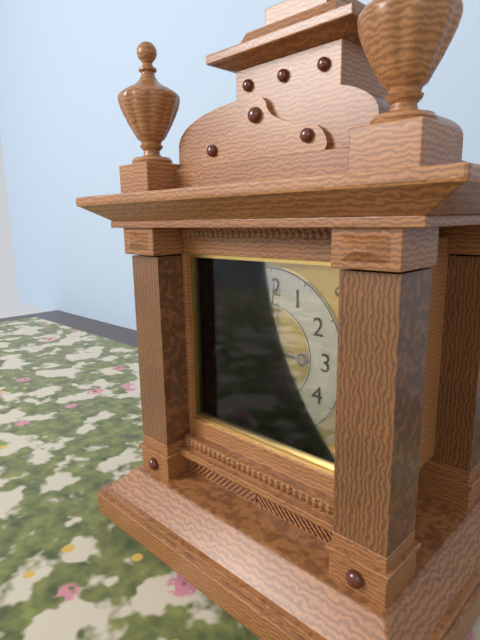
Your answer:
3 h 01 min
